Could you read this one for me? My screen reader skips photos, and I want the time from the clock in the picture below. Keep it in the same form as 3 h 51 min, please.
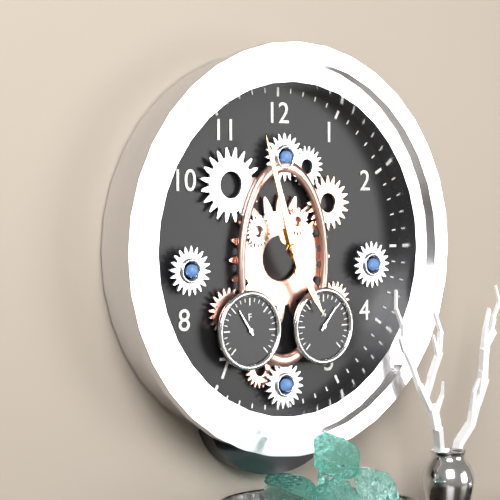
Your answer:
4 h 57 min
